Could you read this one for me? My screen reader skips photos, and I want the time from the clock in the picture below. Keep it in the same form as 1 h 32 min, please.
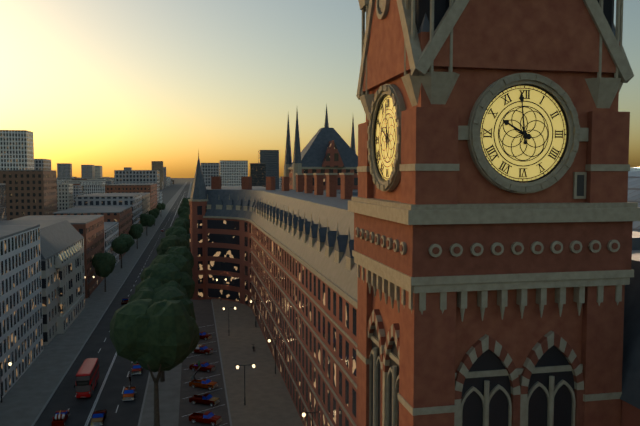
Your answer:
9 h 59 min
